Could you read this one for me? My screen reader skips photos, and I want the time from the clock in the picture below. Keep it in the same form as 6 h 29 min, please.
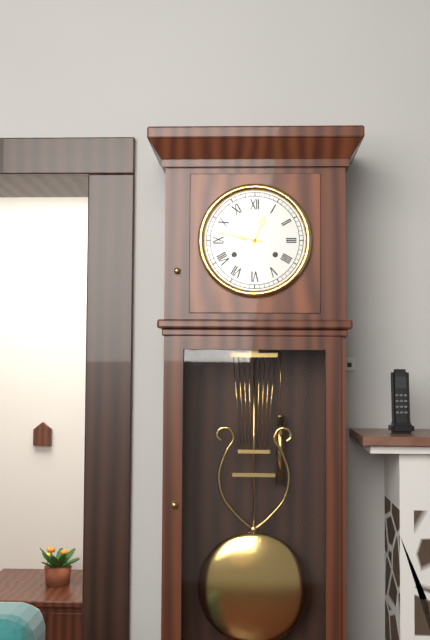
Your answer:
12 h 47 min
